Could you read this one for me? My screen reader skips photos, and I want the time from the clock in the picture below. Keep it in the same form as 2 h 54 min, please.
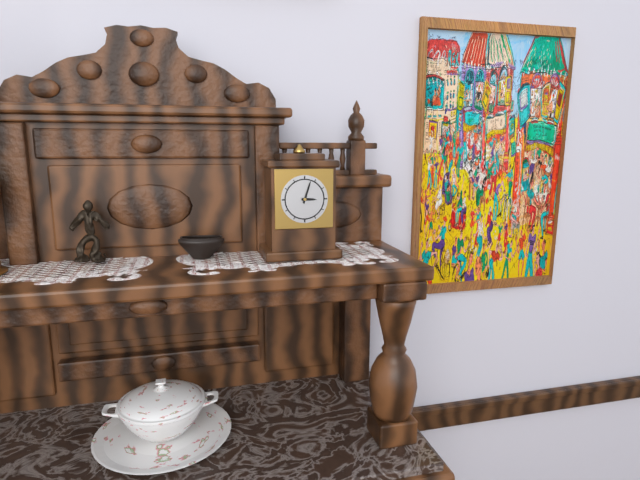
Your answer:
3 h 03 min
